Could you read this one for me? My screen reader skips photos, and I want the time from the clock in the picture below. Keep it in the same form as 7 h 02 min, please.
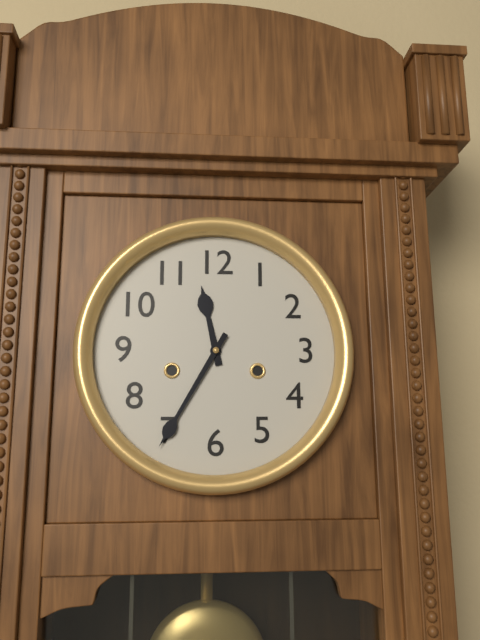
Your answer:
11 h 35 min
